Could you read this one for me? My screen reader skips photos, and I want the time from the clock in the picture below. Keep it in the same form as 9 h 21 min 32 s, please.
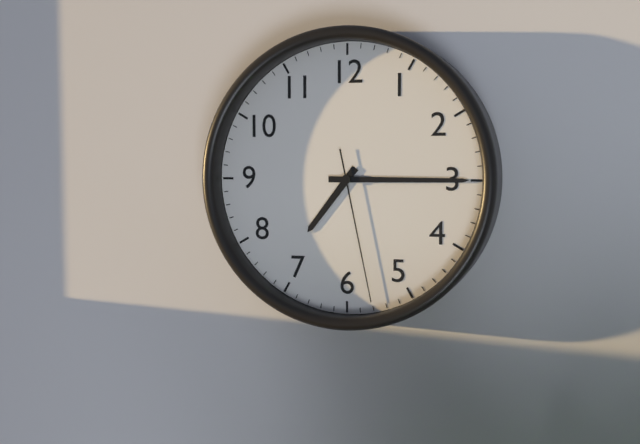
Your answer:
7 h 15 min 28 s
